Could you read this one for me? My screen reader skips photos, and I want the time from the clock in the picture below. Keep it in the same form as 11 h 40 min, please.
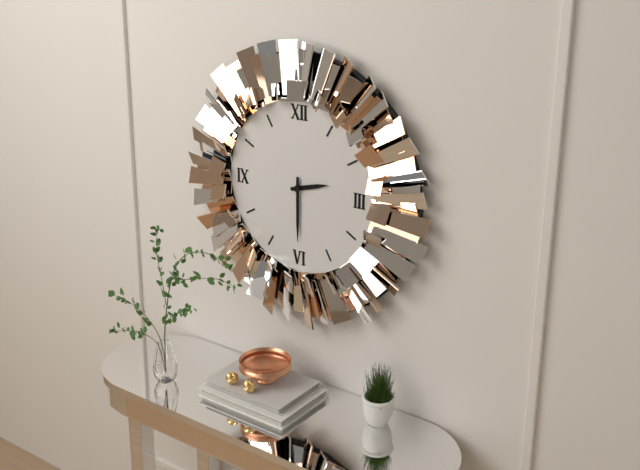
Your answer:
2 h 30 min
